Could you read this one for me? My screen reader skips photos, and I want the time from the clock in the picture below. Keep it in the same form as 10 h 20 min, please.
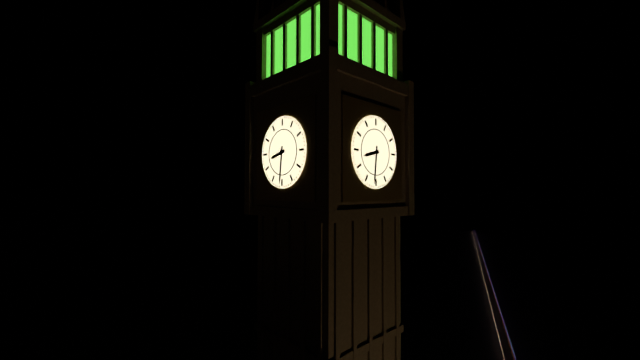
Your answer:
8 h 31 min
